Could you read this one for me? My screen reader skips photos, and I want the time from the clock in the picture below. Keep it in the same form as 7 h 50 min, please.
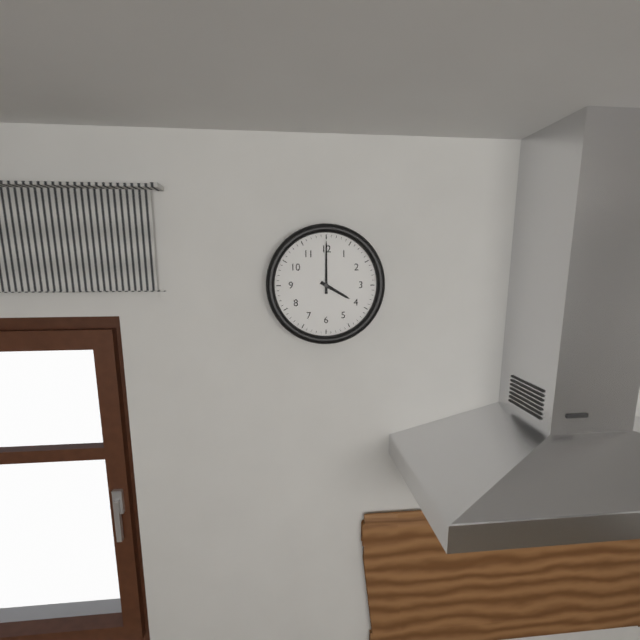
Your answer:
4 h 00 min
